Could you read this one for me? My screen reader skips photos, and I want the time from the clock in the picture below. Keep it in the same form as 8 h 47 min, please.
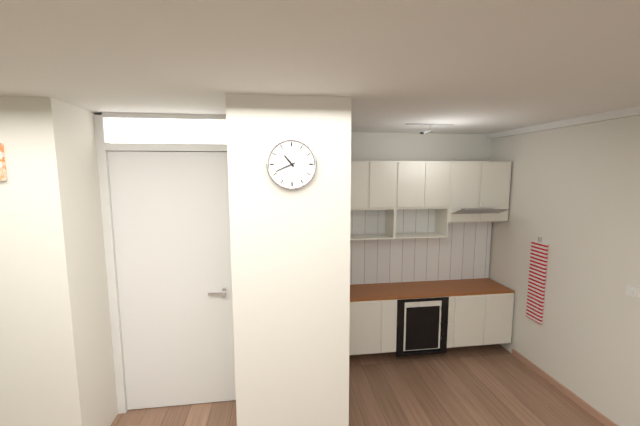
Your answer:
10 h 41 min
